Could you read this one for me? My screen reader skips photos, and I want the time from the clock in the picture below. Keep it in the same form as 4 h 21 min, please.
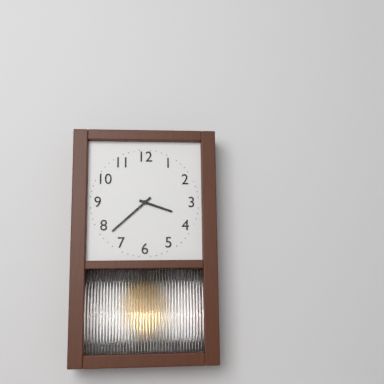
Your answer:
3 h 38 min
